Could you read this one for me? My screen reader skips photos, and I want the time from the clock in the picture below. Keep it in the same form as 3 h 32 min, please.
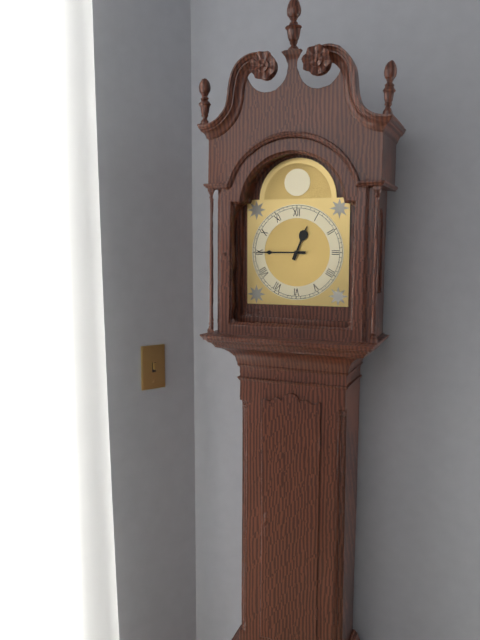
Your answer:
12 h 45 min
